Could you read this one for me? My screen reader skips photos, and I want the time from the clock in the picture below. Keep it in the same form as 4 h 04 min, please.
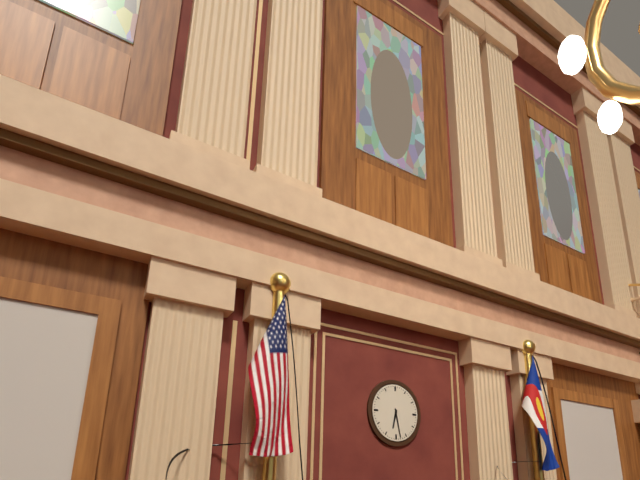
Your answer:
6 h 28 min
